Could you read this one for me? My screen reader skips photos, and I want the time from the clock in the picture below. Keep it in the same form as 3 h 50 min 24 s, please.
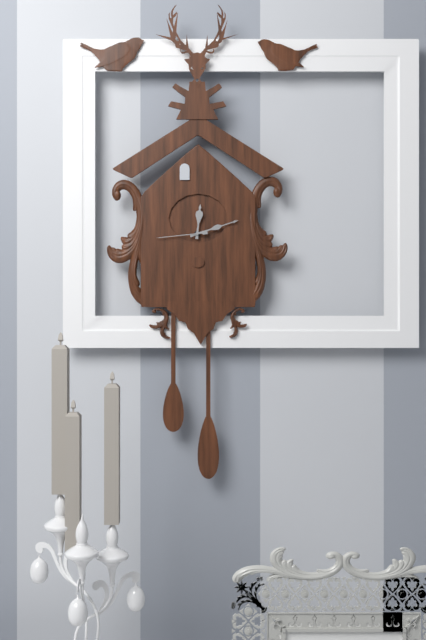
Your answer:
12 h 12 min 44 s
